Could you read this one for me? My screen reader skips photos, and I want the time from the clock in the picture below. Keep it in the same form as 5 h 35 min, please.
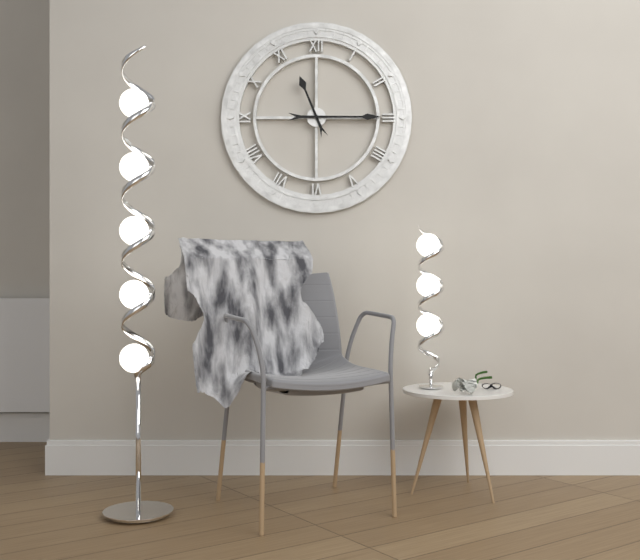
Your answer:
11 h 15 min
